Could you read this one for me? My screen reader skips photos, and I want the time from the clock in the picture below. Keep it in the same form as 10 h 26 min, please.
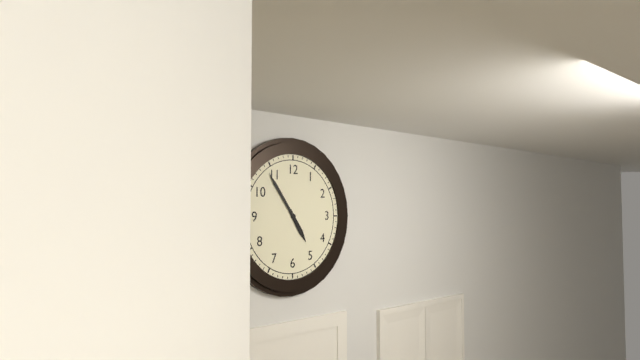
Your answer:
4 h 54 min
